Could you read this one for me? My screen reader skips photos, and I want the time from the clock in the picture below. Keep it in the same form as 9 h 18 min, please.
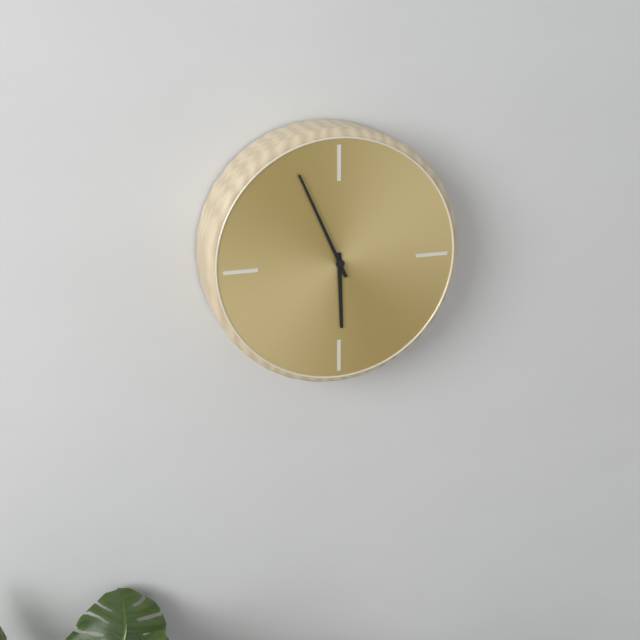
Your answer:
5 h 56 min
